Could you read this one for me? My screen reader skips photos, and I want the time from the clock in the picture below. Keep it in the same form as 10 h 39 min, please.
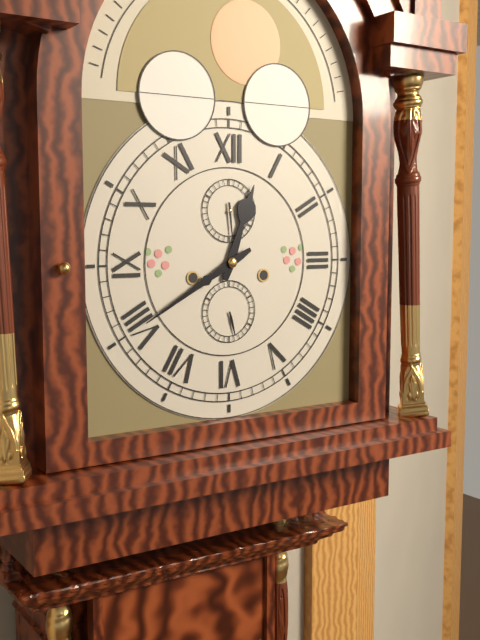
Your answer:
12 h 40 min
